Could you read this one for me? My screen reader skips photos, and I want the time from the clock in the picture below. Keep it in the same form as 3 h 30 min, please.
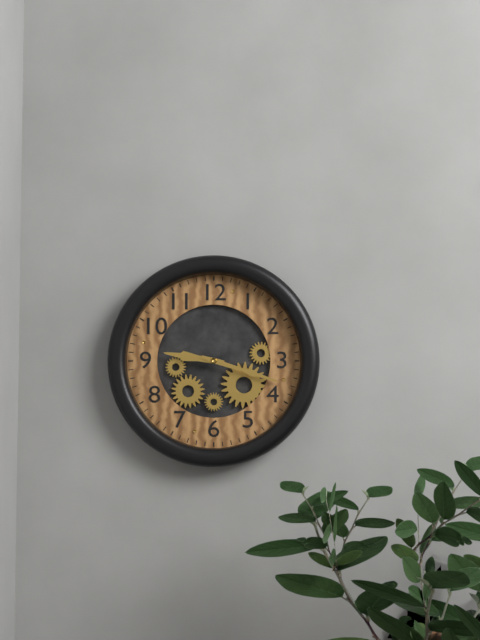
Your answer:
9 h 18 min
